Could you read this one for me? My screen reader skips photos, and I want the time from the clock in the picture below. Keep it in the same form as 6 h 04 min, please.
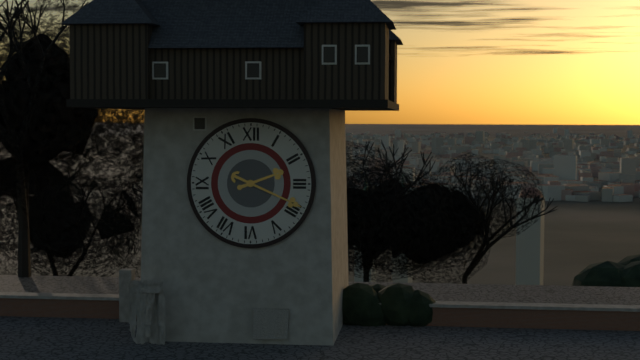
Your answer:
2 h 19 min
